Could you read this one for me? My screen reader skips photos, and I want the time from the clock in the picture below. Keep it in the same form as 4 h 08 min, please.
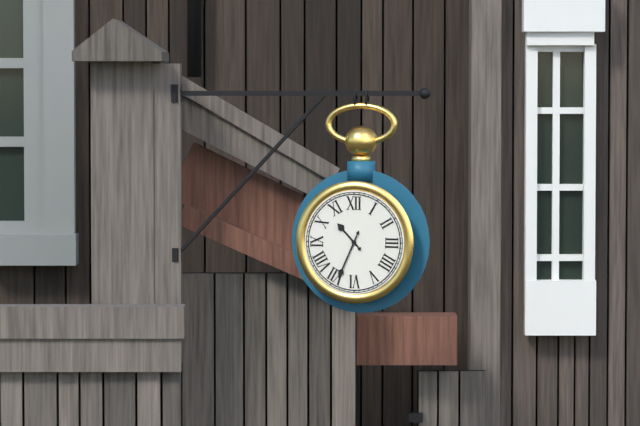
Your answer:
10 h 34 min
